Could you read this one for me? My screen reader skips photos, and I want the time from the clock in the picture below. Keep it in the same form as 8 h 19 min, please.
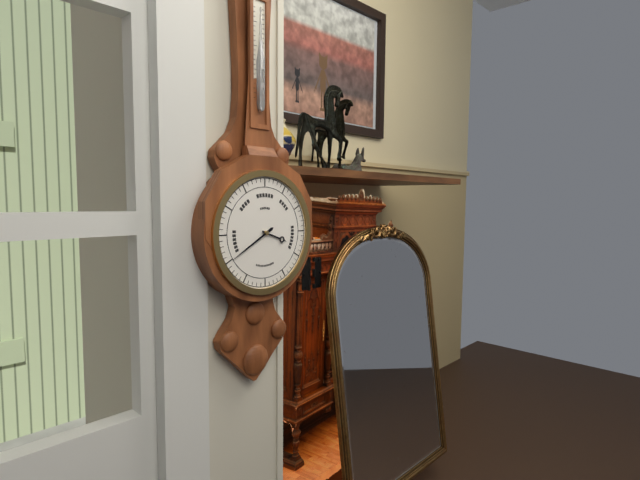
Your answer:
3 h 40 min
